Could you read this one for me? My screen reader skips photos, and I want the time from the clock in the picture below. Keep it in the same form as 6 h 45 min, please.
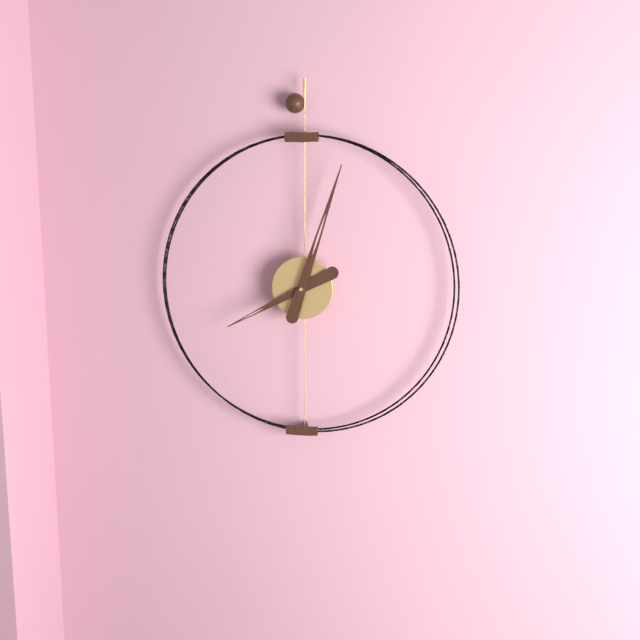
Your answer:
8 h 03 min
